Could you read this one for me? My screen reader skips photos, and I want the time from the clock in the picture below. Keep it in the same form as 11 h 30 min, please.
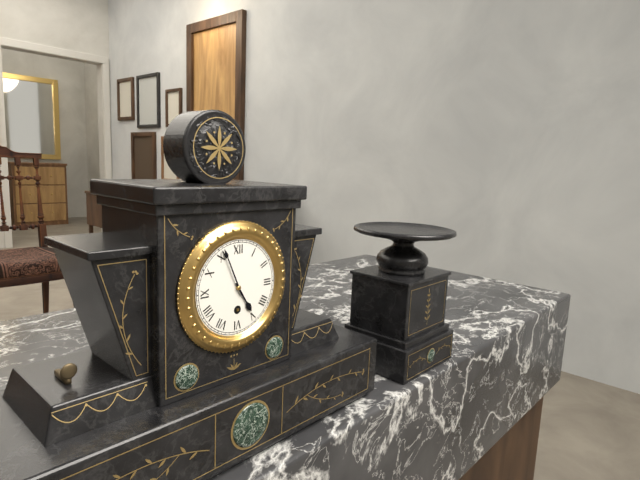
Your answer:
4 h 56 min
